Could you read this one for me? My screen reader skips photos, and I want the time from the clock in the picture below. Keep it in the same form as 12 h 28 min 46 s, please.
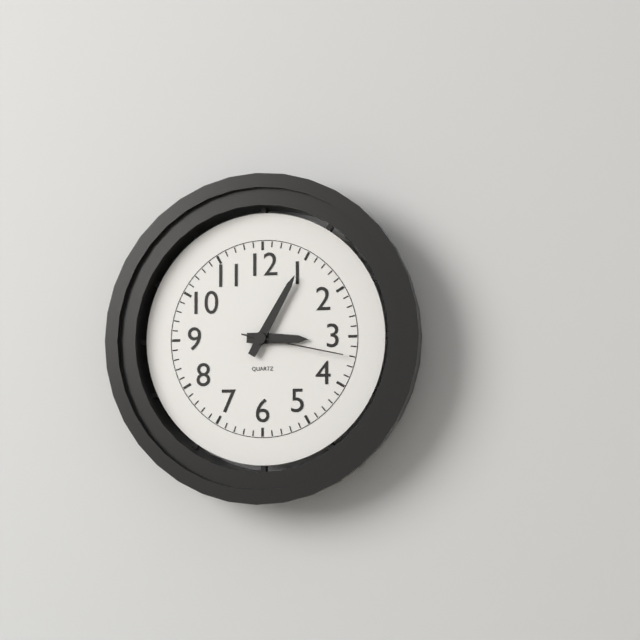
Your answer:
3 h 05 min 17 s
